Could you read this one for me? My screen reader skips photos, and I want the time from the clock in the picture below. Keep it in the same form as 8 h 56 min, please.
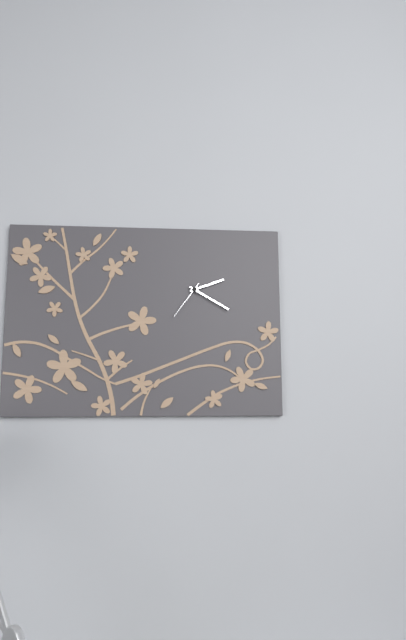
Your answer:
2 h 20 min
